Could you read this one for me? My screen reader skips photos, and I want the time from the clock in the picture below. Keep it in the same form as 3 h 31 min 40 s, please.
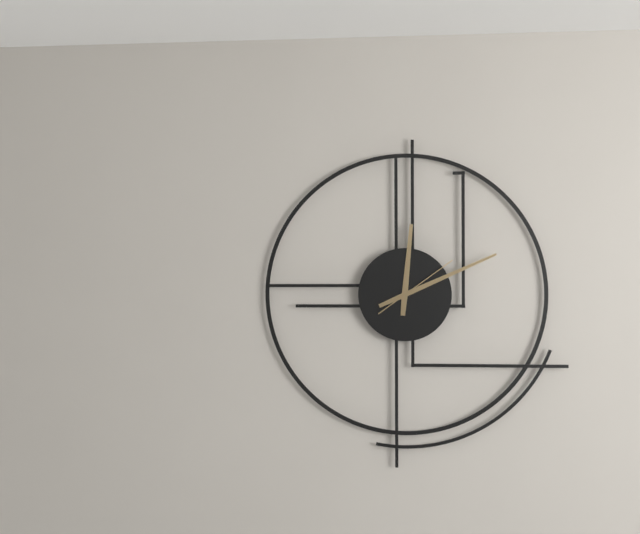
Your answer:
12 h 11 min 09 s
